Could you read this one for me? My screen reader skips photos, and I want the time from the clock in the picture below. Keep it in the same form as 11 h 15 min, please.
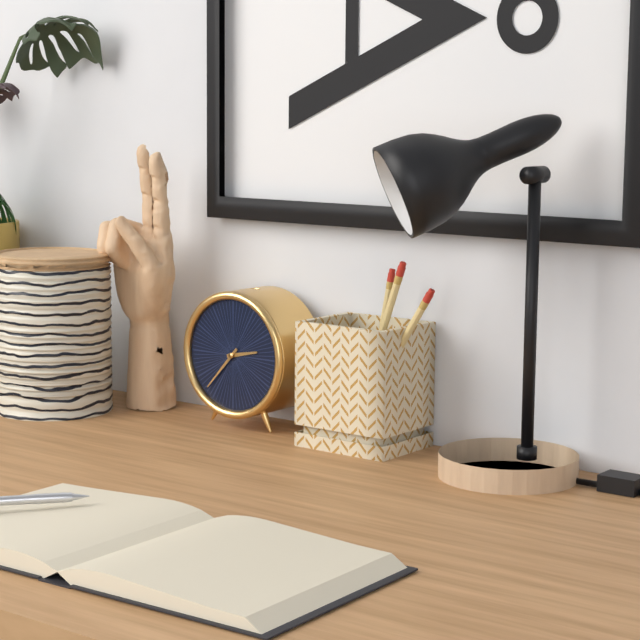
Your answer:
2 h 37 min
